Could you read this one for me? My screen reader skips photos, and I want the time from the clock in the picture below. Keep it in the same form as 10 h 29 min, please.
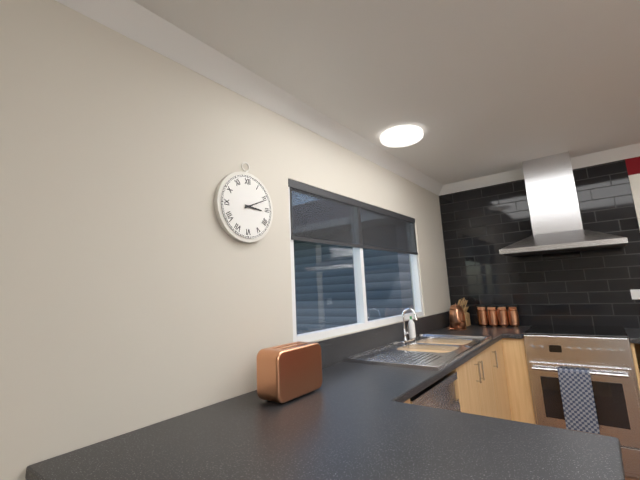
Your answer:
3 h 11 min
